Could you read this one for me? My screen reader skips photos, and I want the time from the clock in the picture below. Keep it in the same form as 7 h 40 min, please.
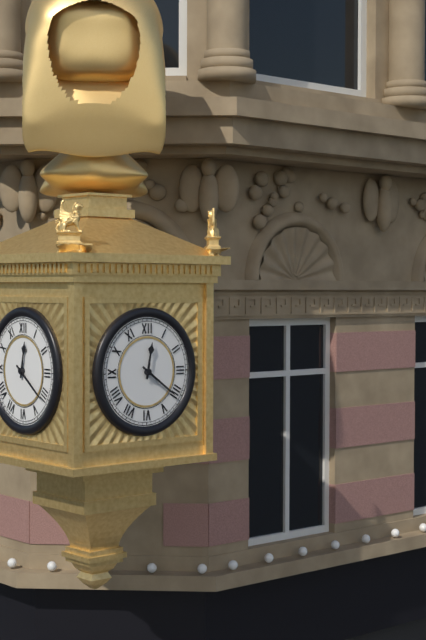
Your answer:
12 h 21 min
